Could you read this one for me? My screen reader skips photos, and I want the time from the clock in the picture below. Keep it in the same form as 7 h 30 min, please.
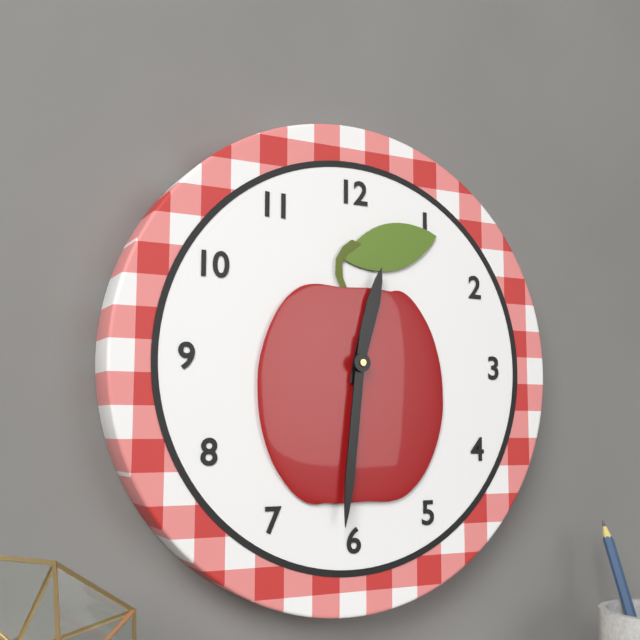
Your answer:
12 h 31 min
